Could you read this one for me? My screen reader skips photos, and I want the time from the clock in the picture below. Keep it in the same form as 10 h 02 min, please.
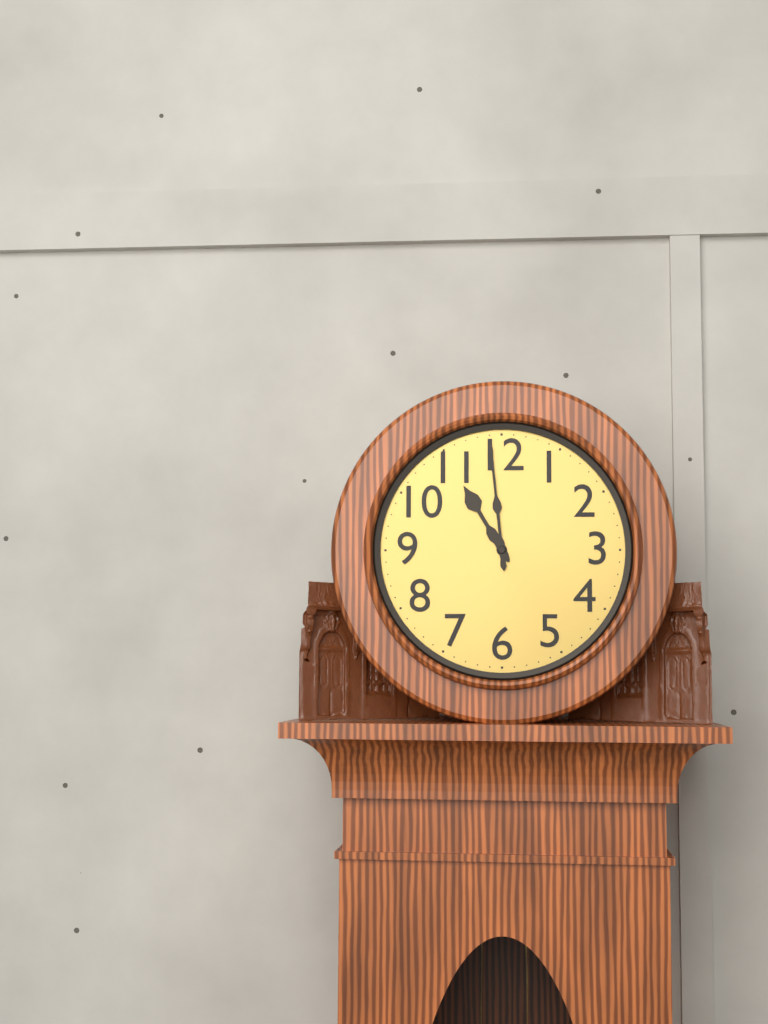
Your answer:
10 h 59 min
